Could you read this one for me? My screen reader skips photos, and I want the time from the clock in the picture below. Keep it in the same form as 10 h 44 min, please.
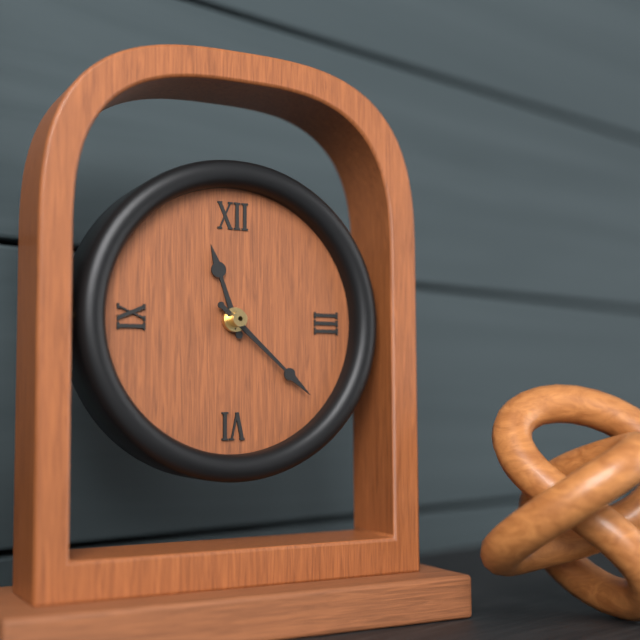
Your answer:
11 h 22 min
